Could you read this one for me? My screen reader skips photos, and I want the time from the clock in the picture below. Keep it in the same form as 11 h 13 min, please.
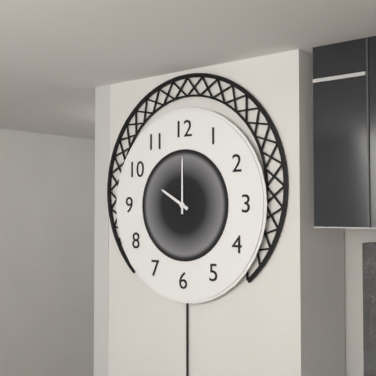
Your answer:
10 h 00 min
